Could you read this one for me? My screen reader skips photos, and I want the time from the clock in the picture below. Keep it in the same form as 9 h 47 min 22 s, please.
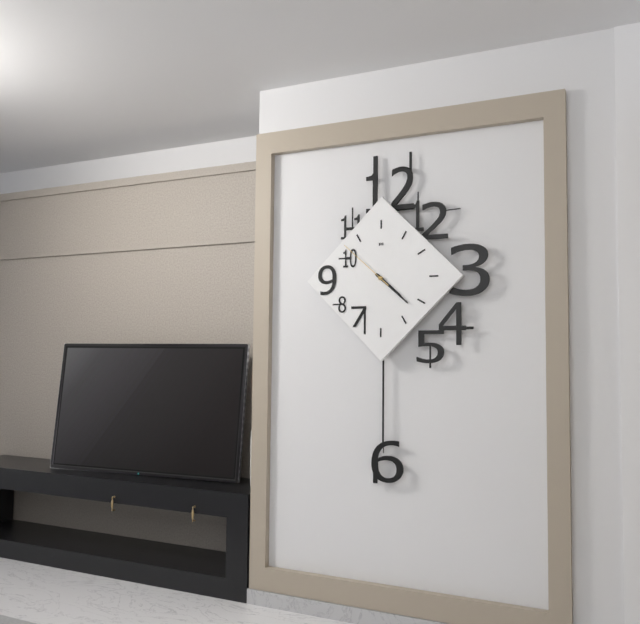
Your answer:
4 h 22 min 52 s
